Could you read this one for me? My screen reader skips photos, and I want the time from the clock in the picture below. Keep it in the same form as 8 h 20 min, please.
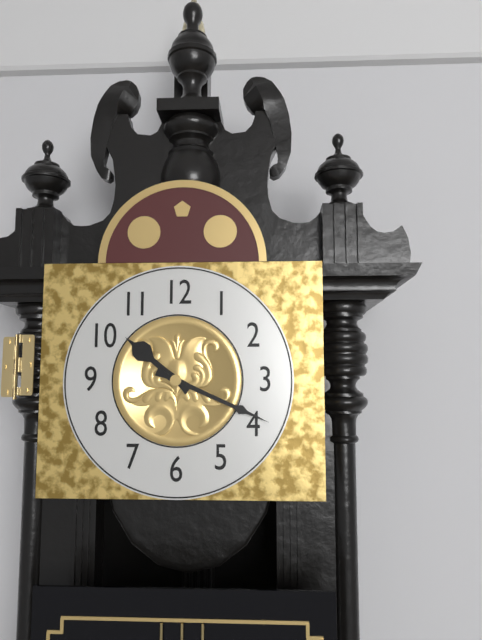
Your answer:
10 h 19 min
